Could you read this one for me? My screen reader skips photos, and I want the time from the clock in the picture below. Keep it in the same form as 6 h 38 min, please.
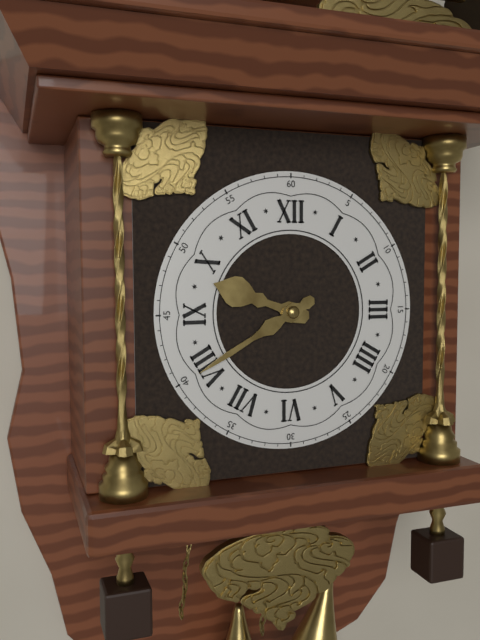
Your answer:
9 h 40 min
